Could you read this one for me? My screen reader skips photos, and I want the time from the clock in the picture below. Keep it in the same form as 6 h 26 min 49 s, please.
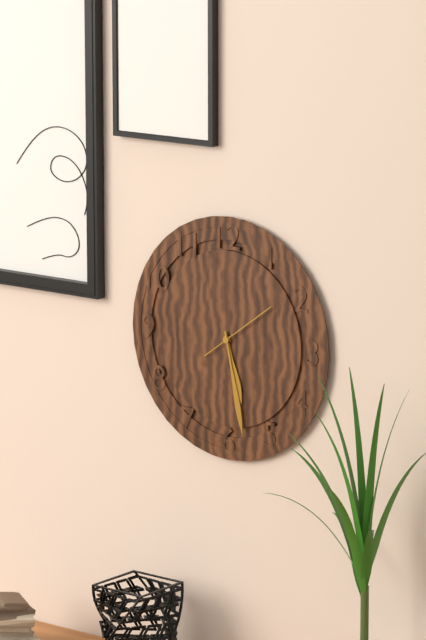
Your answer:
5 h 28 min 09 s
